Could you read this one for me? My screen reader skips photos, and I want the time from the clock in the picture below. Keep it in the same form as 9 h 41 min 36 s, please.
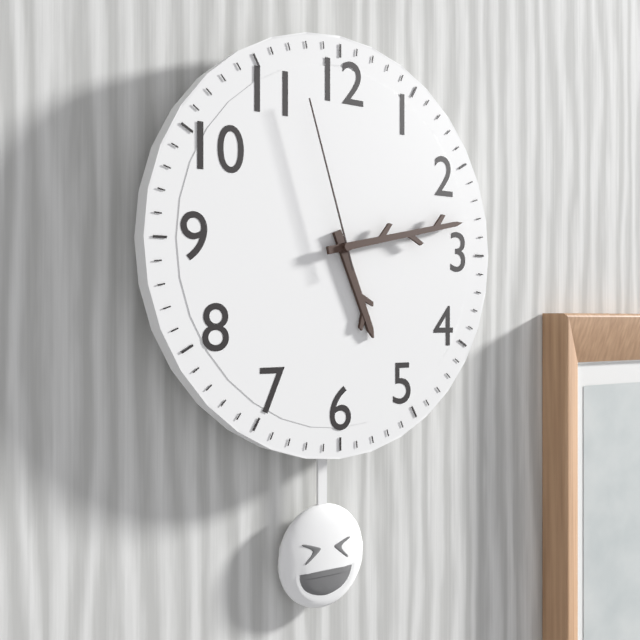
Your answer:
5 h 13 min 57 s
